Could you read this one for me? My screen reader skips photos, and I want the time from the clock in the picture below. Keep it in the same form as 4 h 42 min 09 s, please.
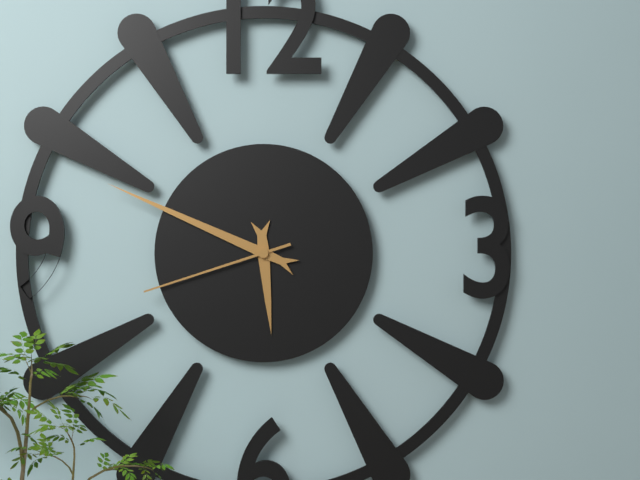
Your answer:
5 h 49 min 42 s
